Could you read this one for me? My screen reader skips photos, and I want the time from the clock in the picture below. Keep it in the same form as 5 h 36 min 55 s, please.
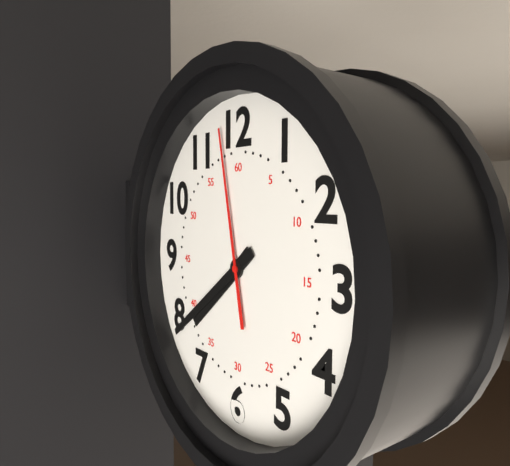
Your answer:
7 h 39 min 58 s
